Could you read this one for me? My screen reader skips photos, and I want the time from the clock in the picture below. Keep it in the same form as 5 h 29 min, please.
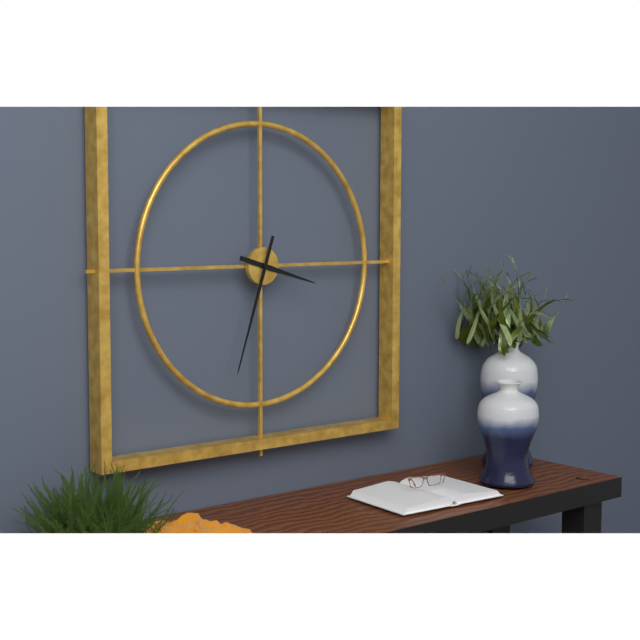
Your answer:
3 h 33 min
